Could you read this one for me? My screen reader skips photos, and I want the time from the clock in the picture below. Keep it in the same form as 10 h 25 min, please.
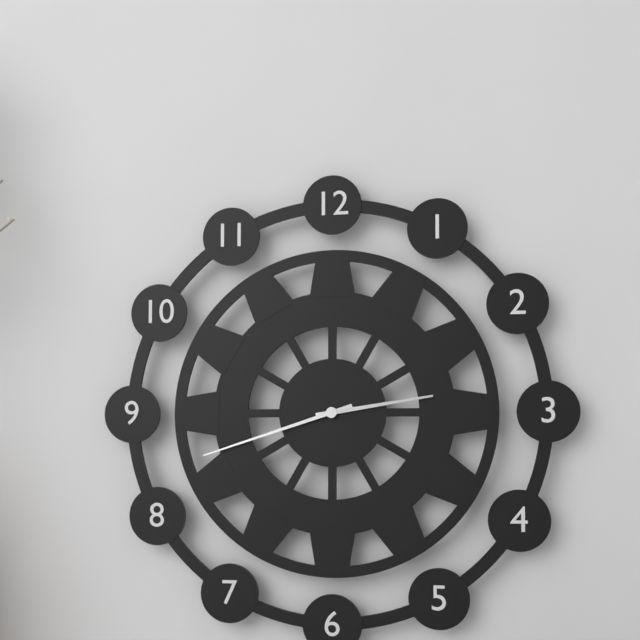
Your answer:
2 h 42 min
